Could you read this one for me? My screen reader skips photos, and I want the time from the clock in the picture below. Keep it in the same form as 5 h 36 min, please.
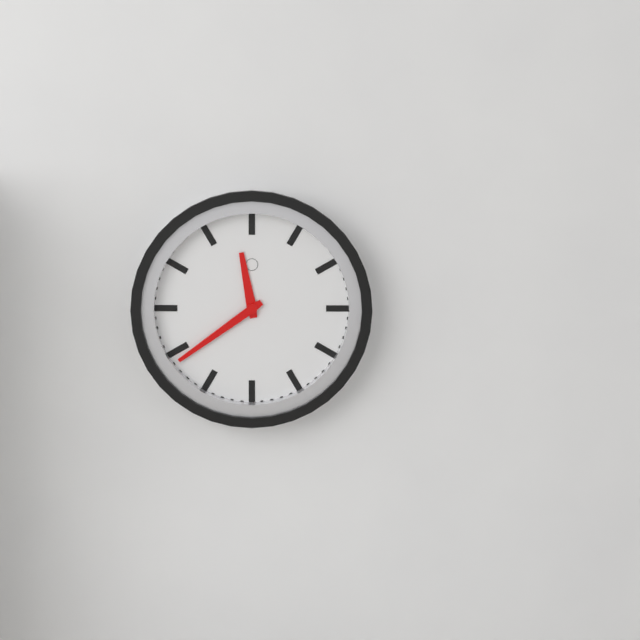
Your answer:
11 h 39 min
